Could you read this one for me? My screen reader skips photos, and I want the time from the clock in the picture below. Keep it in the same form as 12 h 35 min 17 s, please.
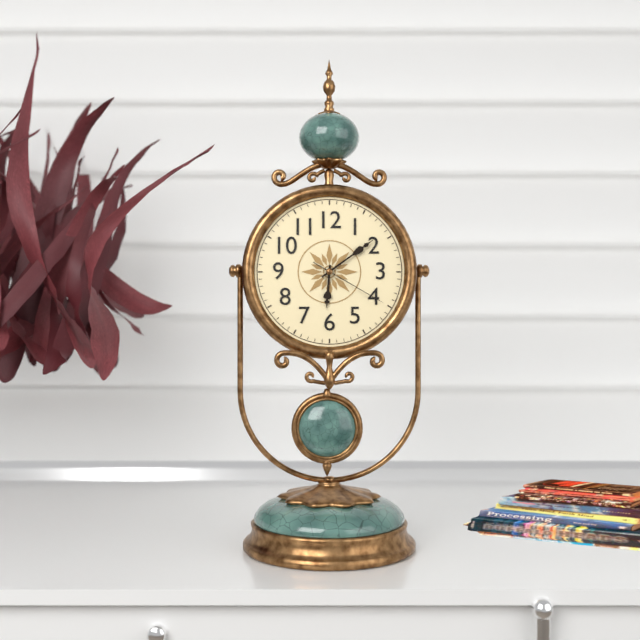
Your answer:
6 h 09 min 20 s
